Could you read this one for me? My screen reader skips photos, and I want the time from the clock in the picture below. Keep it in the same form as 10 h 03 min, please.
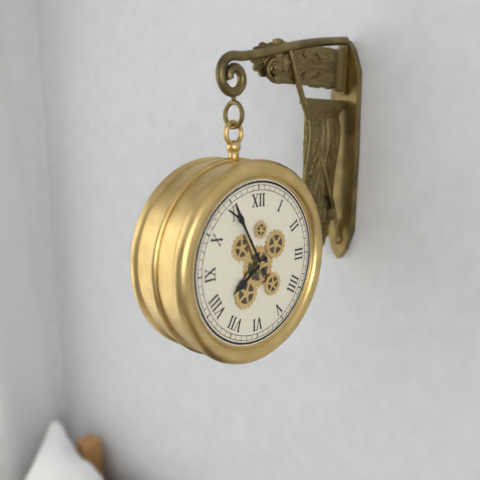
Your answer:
7 h 55 min
